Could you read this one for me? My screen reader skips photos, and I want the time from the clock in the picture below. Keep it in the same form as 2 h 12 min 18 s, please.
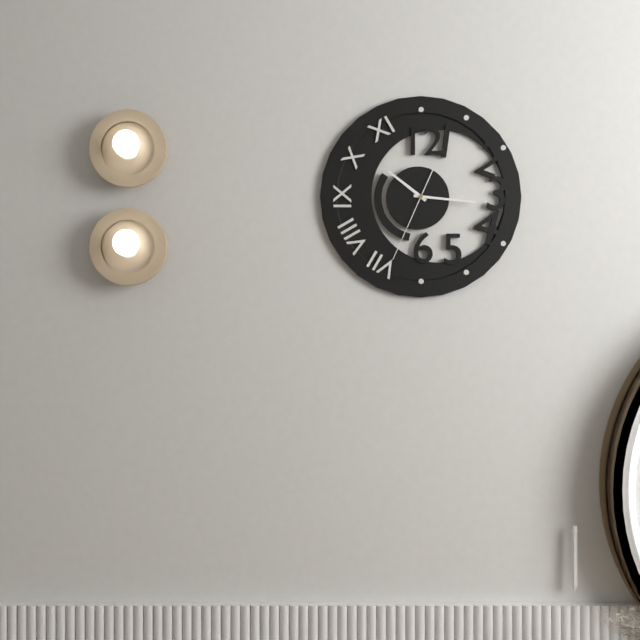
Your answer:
10 h 16 min 34 s
